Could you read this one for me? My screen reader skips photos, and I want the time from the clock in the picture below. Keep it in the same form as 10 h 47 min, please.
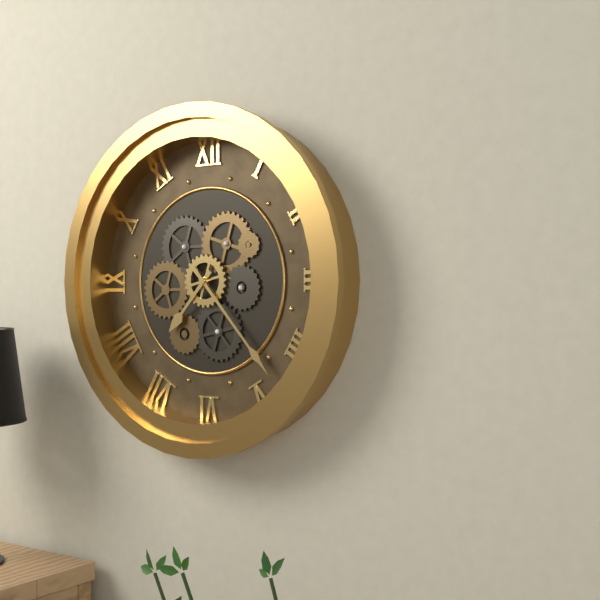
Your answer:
7 h 23 min
